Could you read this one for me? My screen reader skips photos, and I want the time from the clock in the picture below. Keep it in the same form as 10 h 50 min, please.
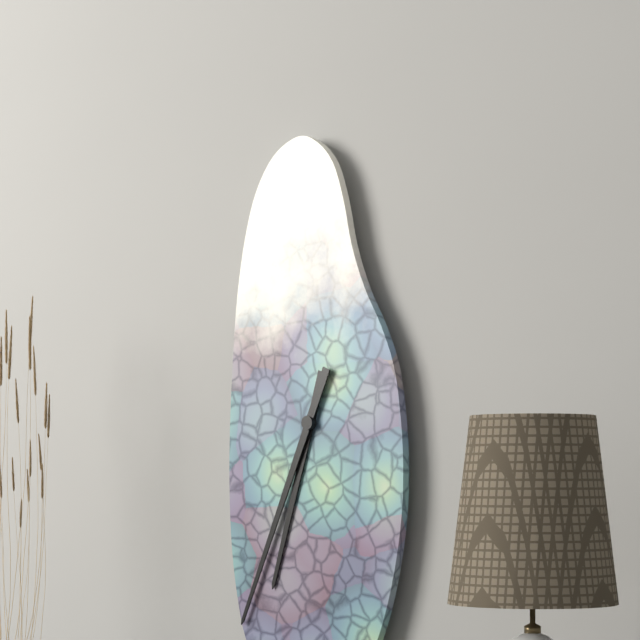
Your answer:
6 h 34 min
